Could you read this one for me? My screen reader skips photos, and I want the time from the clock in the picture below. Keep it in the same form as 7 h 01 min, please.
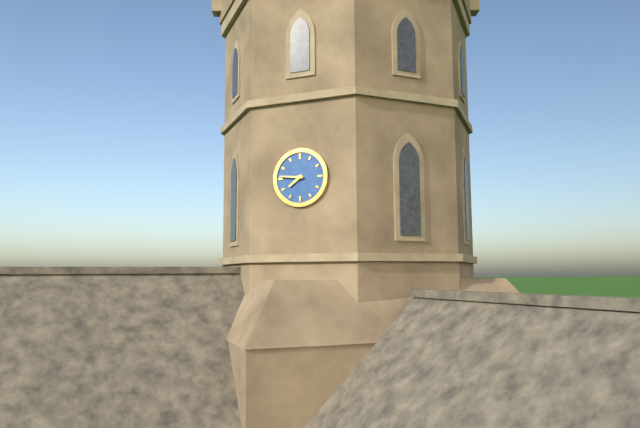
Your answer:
7 h 46 min
